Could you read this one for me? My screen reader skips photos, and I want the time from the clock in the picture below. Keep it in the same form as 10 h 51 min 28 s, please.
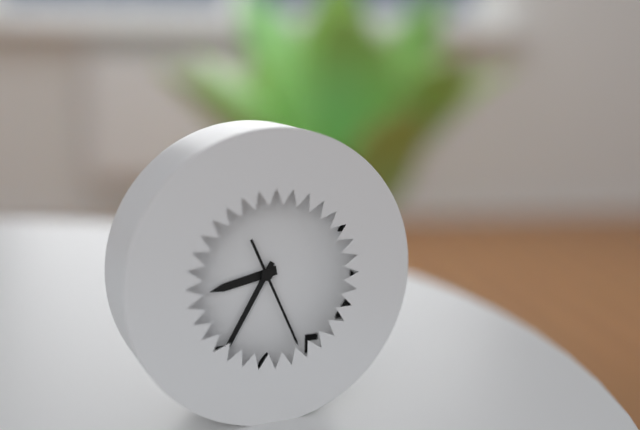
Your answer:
8 h 35 min 26 s
